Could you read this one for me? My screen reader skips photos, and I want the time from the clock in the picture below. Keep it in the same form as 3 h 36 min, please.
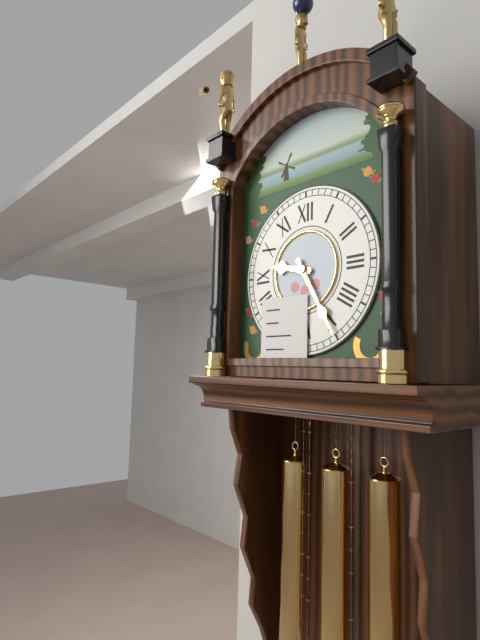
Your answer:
9 h 25 min
